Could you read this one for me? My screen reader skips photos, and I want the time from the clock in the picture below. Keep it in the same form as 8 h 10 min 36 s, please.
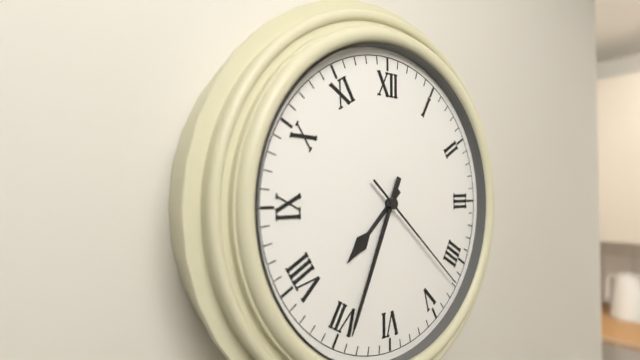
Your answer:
7 h 34 min 22 s
